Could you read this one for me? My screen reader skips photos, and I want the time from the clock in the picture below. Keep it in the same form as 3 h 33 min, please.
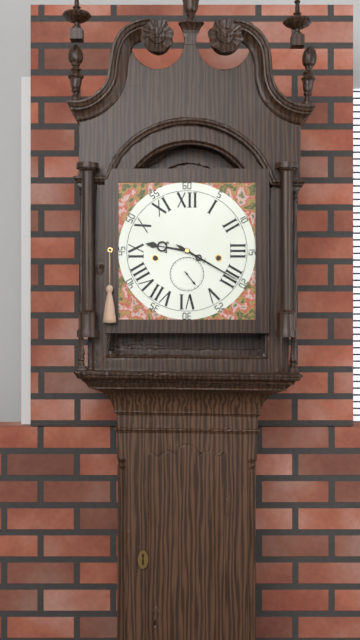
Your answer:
9 h 20 min
